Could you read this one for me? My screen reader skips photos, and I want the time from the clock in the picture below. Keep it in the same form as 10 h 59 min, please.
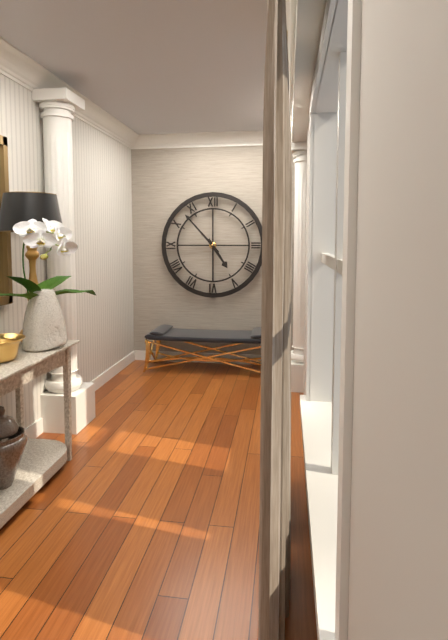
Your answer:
4 h 53 min
